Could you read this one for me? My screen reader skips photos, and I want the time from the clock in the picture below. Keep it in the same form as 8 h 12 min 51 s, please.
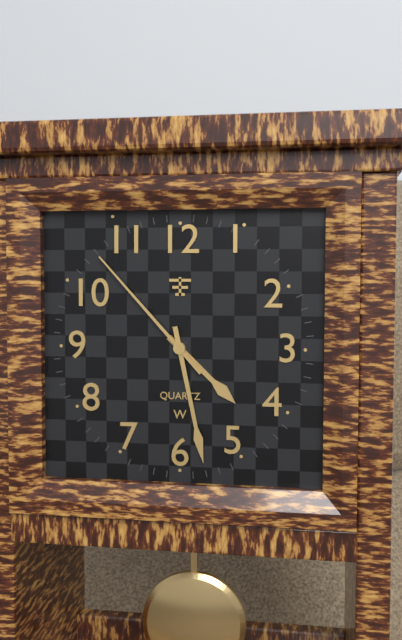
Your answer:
4 h 28 min 53 s
